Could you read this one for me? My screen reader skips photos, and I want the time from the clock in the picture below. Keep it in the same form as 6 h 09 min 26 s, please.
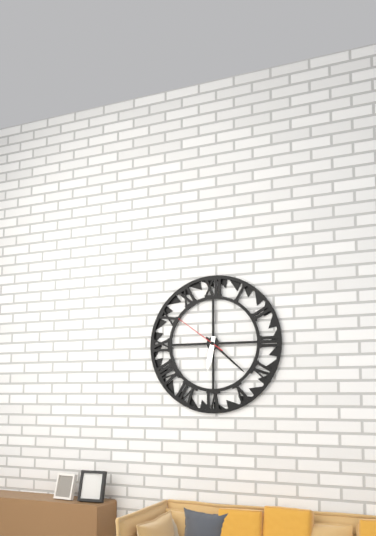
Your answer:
6 h 22 min 51 s
